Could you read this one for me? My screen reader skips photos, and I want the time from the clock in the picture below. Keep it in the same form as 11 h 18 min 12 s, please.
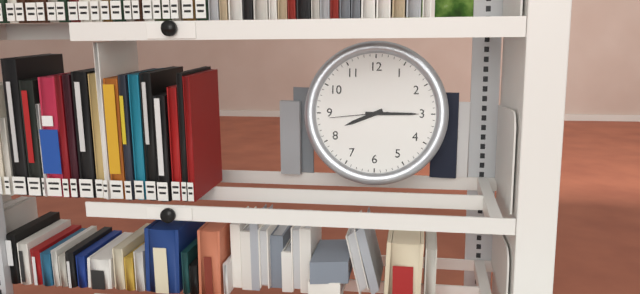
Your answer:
8 h 15 min 44 s
